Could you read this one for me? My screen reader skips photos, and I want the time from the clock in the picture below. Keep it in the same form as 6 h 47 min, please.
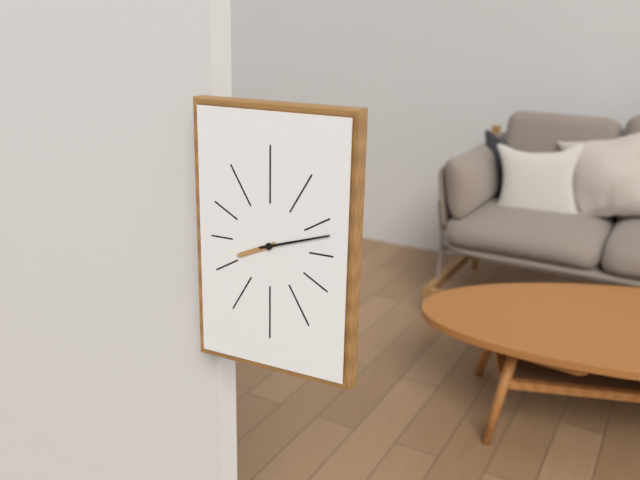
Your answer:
8 h 12 min
